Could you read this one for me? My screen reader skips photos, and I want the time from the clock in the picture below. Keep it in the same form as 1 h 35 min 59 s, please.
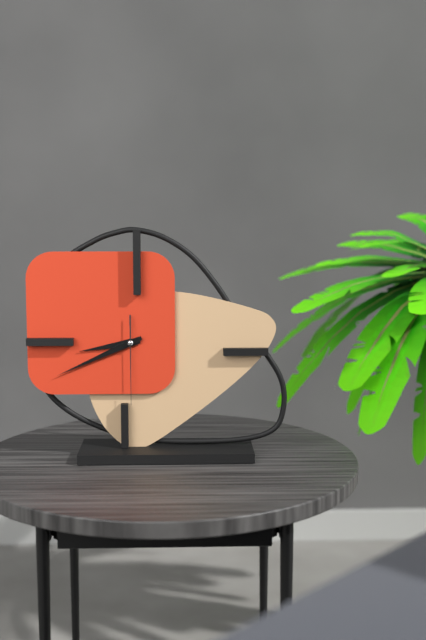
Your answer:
8 h 41 min 30 s
